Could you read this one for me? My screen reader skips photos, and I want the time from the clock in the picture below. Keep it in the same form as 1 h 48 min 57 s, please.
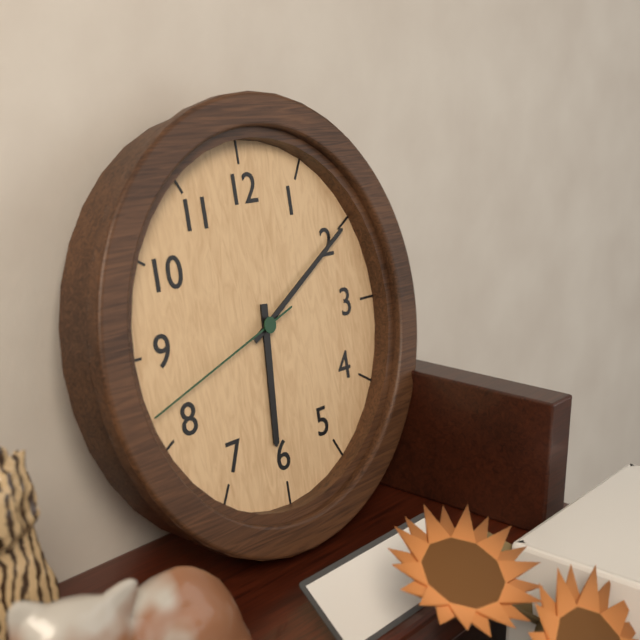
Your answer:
6 h 10 min 42 s
